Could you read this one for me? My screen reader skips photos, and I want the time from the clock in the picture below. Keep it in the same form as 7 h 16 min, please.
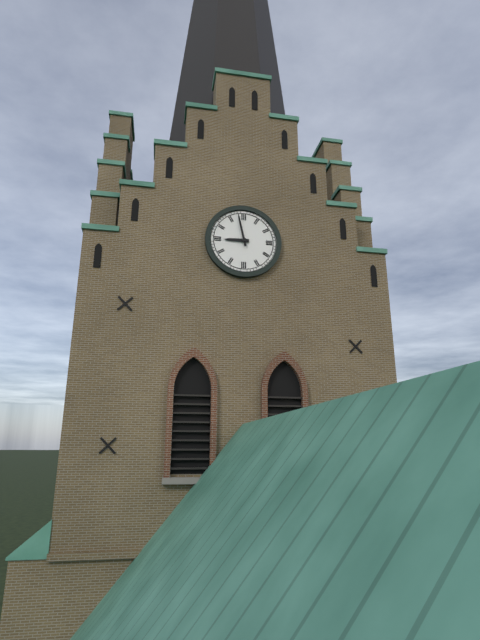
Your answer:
8 h 58 min
